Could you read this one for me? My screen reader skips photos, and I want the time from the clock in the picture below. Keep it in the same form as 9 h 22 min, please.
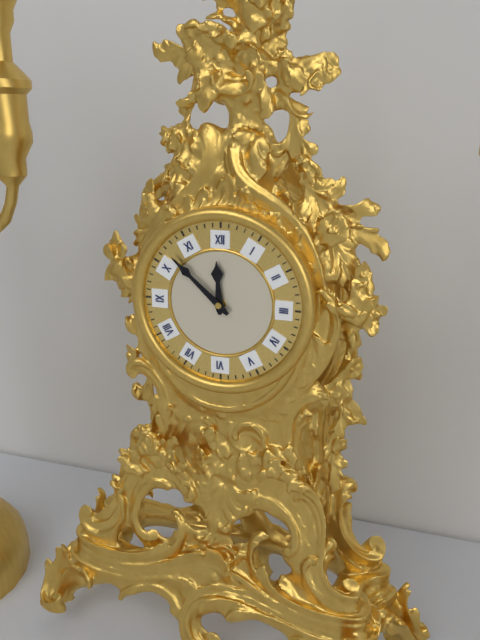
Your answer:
11 h 52 min
